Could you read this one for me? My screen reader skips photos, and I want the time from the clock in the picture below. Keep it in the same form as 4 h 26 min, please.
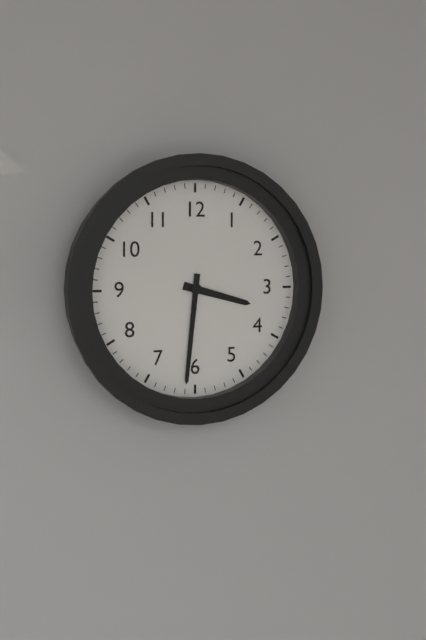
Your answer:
3 h 31 min
